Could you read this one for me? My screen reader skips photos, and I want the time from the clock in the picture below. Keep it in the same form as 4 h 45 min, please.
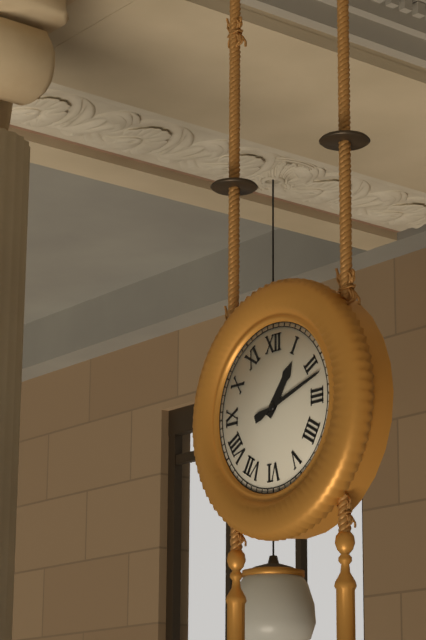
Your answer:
1 h 12 min
